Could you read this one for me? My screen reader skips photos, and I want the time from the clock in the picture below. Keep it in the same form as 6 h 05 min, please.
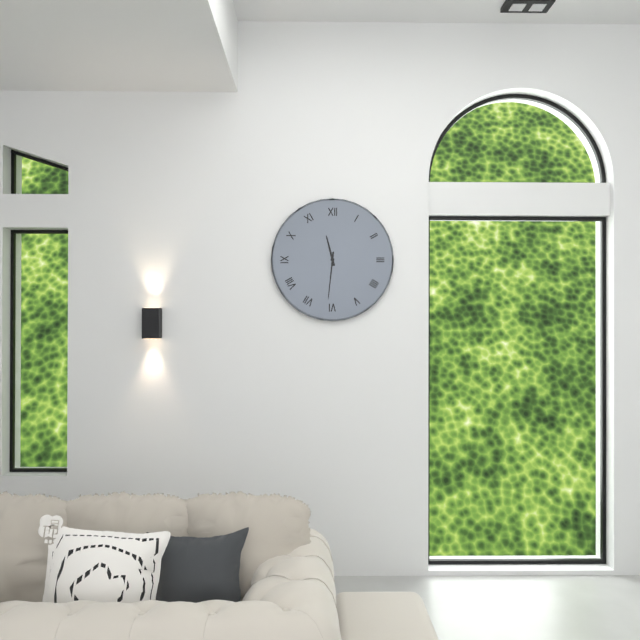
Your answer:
11 h 31 min
